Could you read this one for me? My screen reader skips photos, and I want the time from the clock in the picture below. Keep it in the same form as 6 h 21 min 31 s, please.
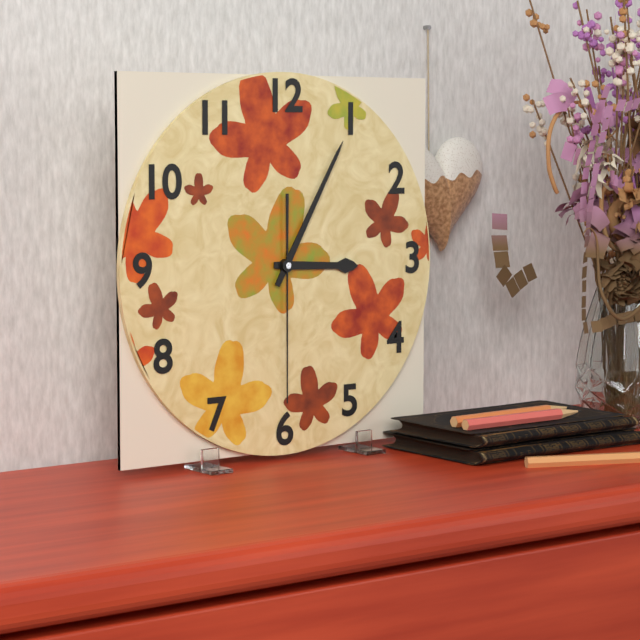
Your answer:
3 h 05 min 30 s
